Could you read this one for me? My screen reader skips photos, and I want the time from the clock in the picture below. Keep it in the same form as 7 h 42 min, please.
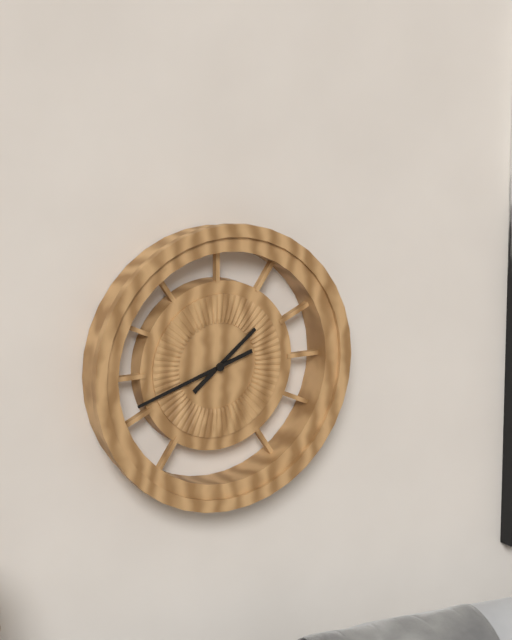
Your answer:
1 h 42 min
